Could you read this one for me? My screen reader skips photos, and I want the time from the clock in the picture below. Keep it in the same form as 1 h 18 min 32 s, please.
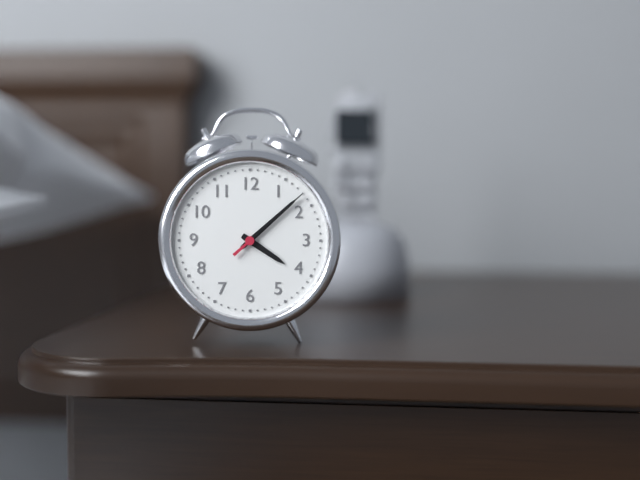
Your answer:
4 h 08 min 08 s
